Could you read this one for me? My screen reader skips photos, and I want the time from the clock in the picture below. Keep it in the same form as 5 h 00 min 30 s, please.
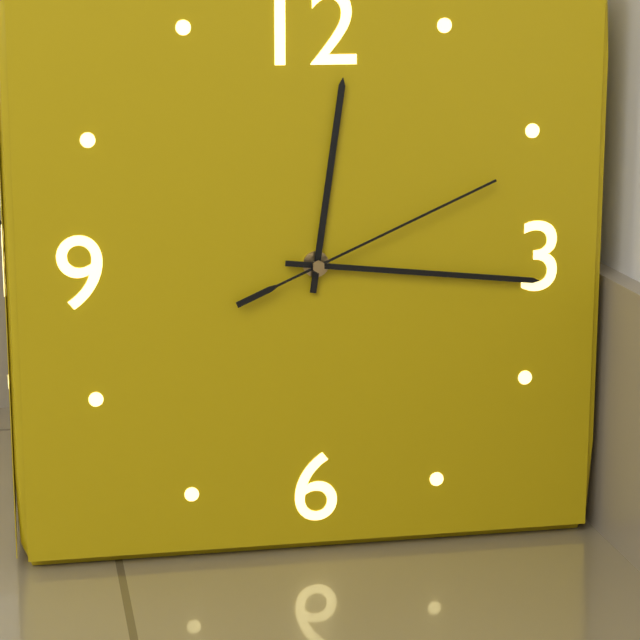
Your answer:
12 h 16 min 11 s
